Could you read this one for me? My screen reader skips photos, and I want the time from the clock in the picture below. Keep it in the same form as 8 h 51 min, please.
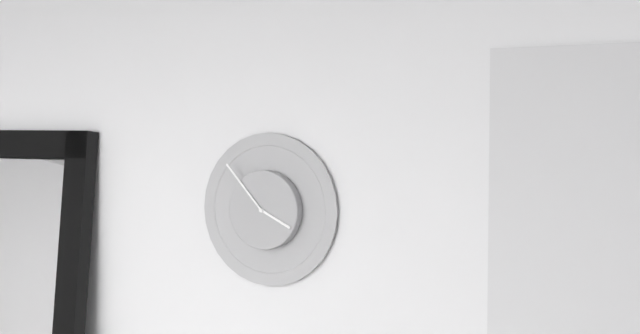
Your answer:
3 h 53 min
